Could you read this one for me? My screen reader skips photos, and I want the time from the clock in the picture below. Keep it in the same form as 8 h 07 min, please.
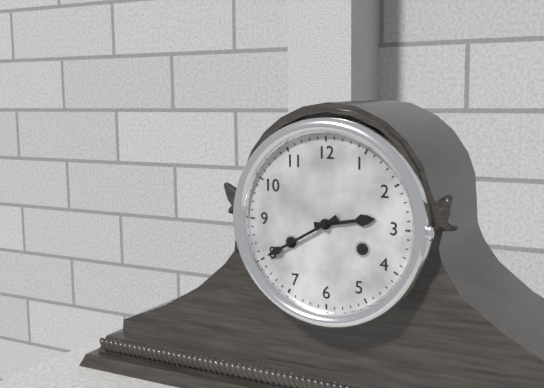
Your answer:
2 h 40 min
